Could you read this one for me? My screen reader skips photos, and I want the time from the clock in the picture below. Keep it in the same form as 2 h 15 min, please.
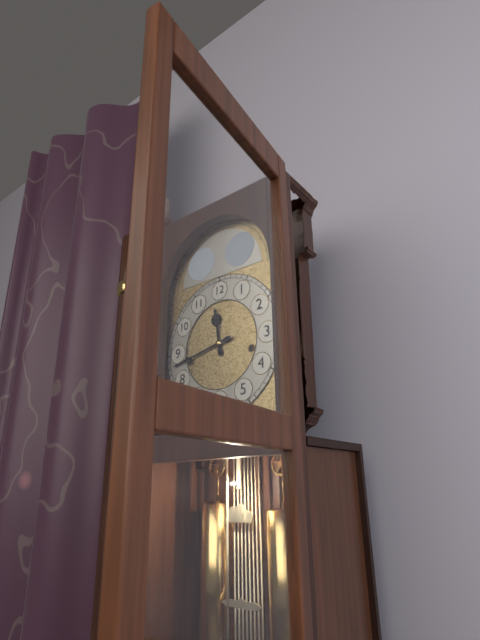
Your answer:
11 h 43 min
